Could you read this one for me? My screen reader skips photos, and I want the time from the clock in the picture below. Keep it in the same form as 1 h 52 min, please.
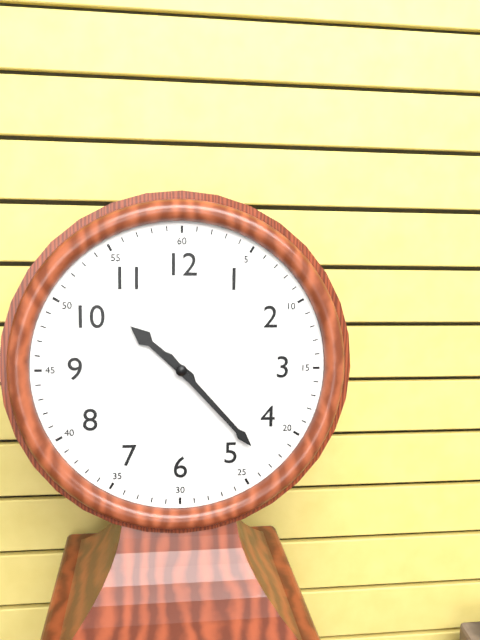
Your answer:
10 h 23 min
